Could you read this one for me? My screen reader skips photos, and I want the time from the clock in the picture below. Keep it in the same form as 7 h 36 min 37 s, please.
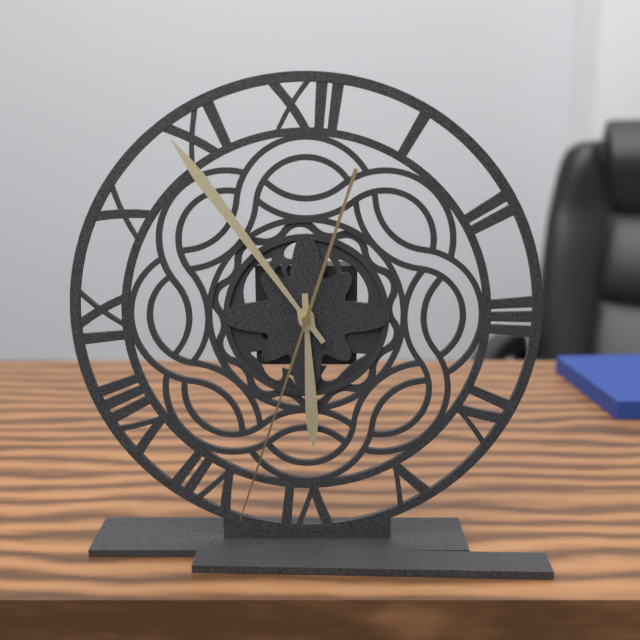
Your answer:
5 h 54 min 33 s
